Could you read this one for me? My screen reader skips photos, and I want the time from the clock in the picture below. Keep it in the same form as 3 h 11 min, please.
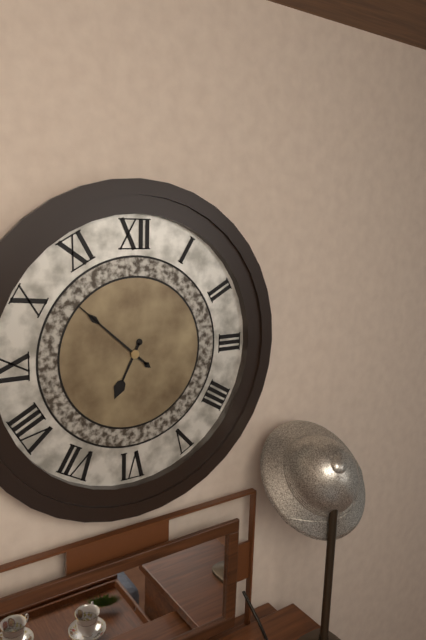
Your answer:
6 h 52 min
